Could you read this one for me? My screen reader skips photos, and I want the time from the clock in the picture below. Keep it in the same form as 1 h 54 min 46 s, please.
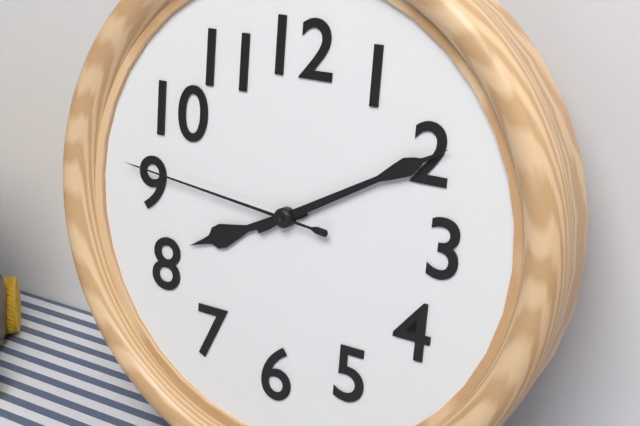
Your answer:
8 h 10 min 46 s
